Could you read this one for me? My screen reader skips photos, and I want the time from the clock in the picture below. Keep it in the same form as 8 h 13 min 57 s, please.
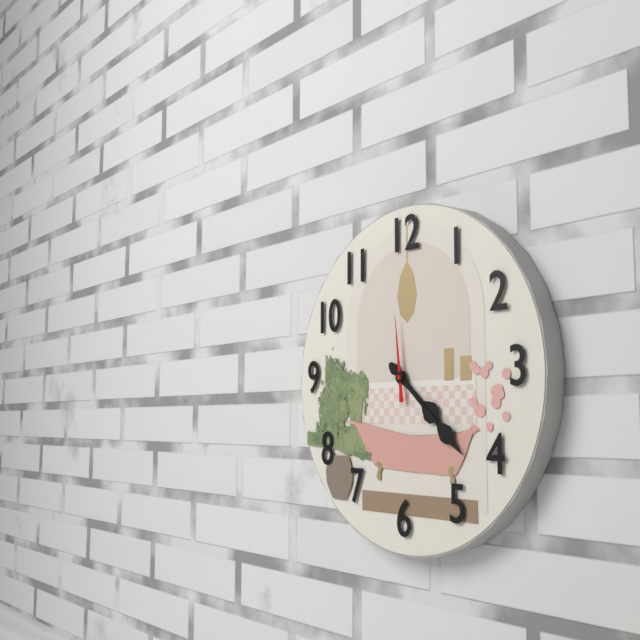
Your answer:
4 h 22 min 59 s
